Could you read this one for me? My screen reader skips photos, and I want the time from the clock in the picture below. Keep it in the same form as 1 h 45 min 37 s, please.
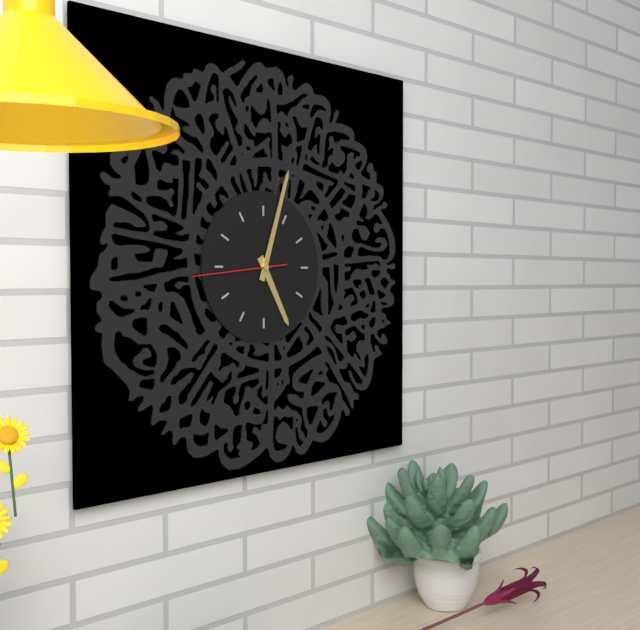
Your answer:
5 h 03 min 44 s
